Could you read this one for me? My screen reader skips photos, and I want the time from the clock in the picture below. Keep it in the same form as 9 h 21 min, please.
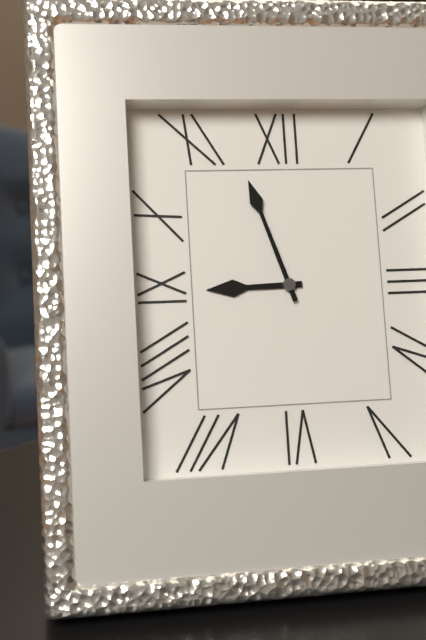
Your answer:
8 h 57 min
